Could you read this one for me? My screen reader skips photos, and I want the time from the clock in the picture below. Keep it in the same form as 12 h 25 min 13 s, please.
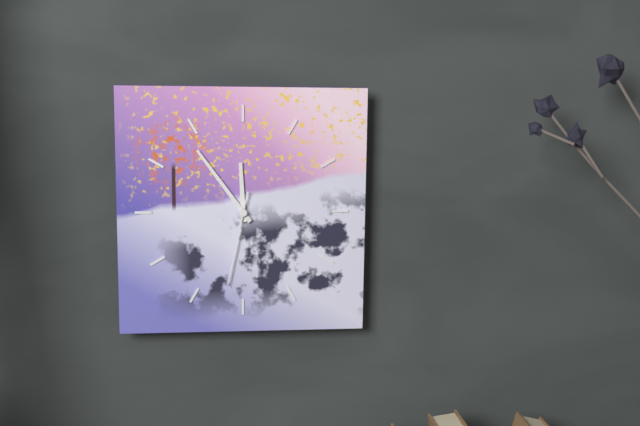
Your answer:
11 h 54 min 32 s
